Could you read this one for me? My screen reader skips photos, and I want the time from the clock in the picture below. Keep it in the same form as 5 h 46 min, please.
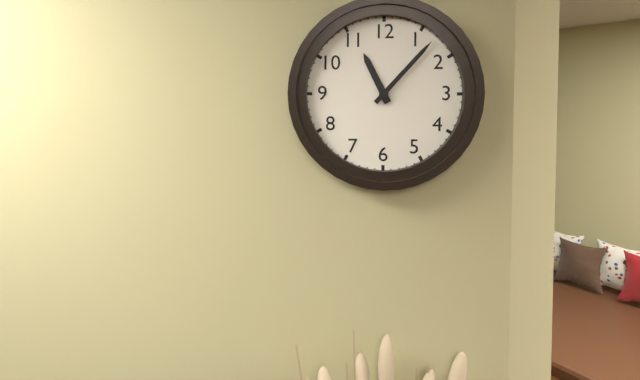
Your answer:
11 h 07 min
